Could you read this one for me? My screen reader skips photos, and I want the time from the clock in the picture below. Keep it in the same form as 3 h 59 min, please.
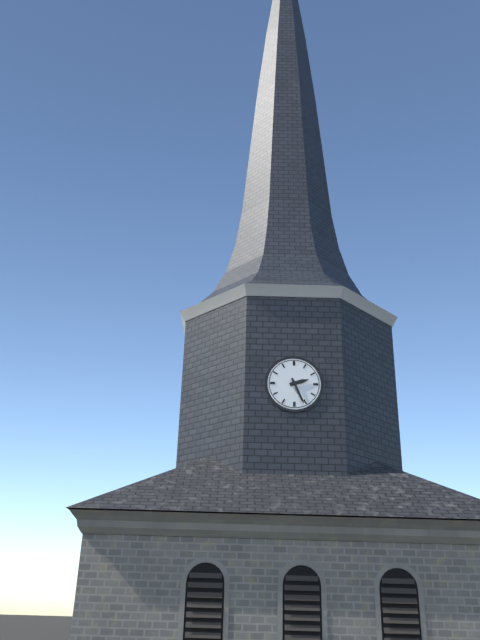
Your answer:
2 h 26 min
